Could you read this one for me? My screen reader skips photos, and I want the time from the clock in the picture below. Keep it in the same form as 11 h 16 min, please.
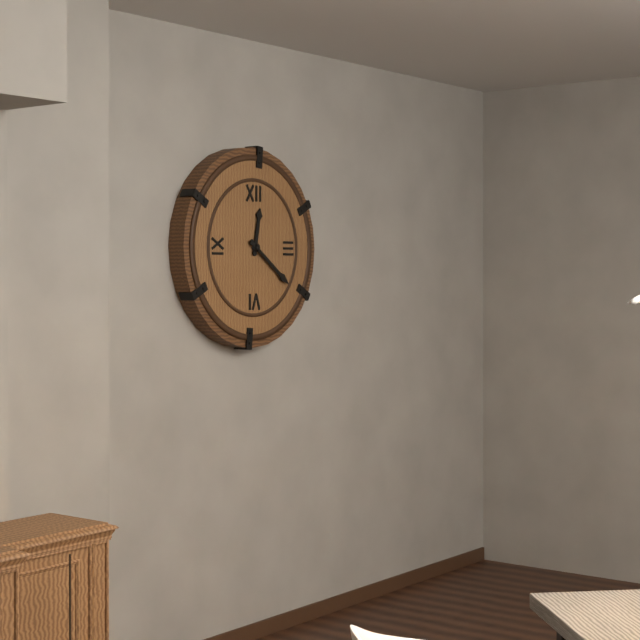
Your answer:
12 h 21 min
